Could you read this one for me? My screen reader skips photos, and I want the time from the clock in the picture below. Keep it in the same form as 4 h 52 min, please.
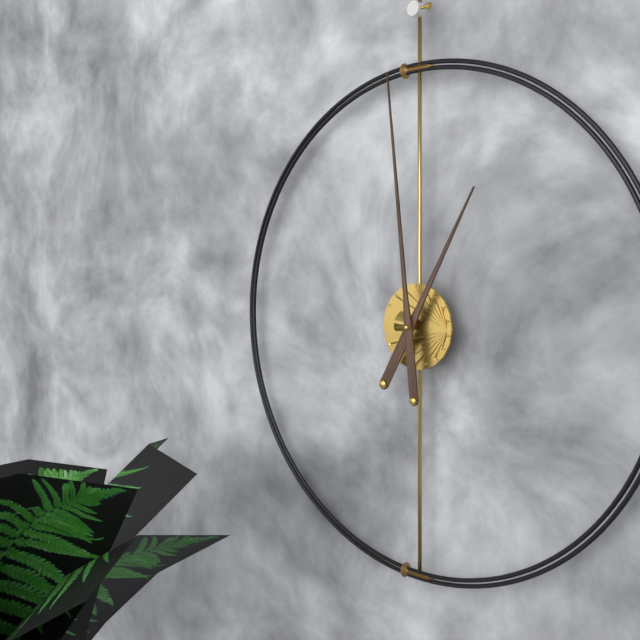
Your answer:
12 h 59 min
